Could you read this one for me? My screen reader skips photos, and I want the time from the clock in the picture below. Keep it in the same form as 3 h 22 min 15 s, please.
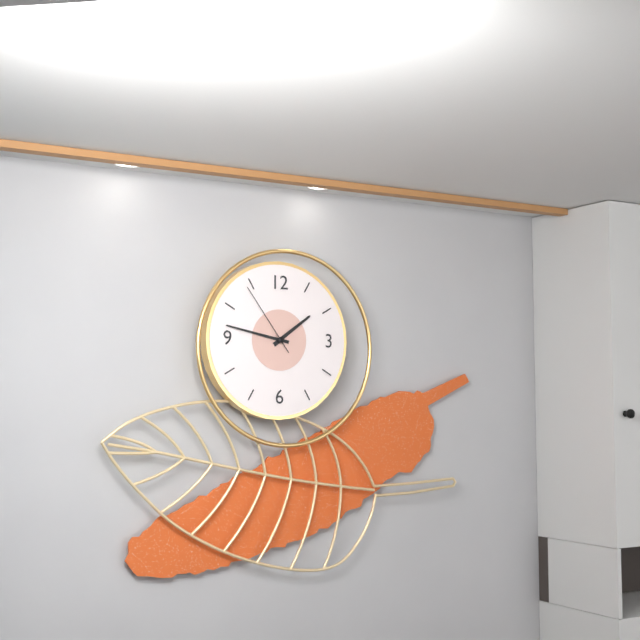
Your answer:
1 h 47 min 54 s
